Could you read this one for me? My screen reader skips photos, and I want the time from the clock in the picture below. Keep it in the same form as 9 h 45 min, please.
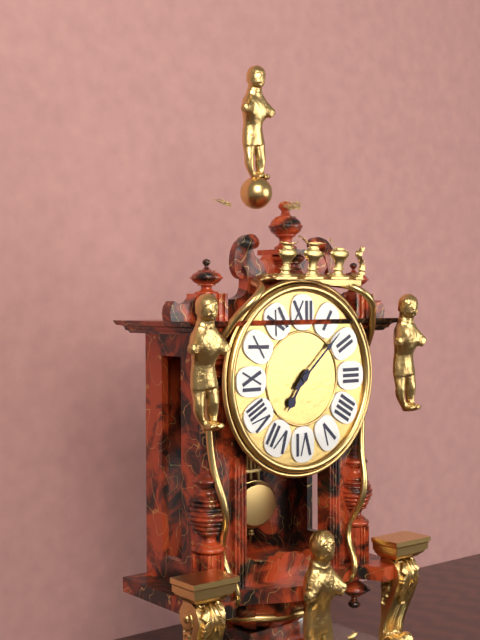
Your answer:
7 h 08 min
